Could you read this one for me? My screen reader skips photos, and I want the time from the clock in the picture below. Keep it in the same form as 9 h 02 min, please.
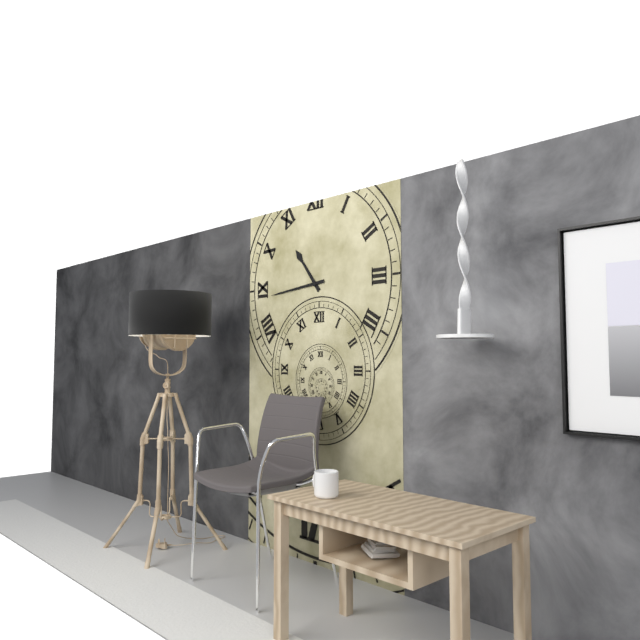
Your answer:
10 h 44 min
